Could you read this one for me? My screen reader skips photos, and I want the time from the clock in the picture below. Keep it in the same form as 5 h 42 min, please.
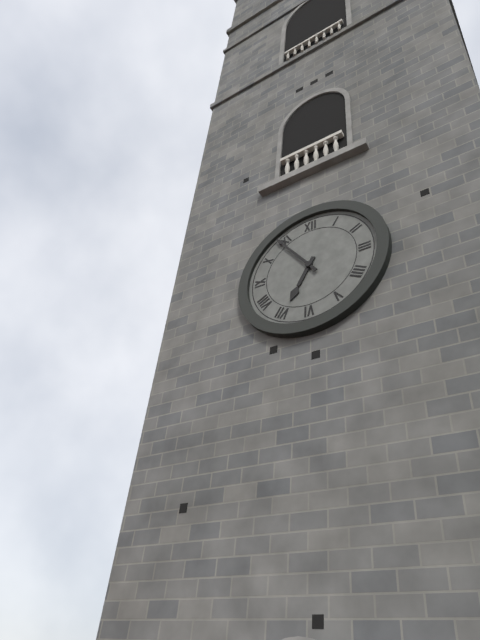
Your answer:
6 h 54 min
